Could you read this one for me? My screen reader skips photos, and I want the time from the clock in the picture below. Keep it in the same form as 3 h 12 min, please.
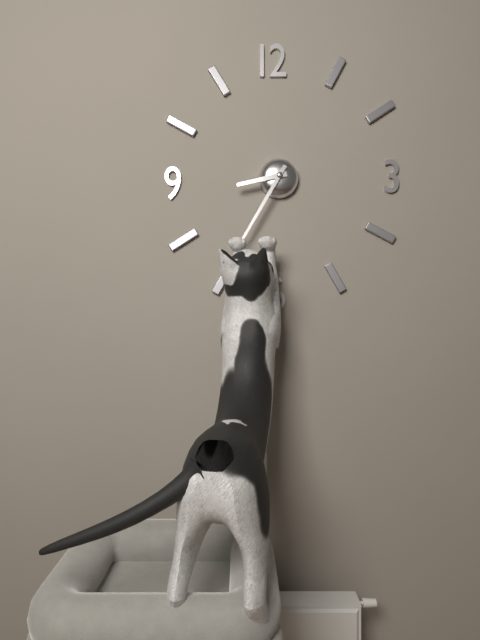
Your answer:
8 h 35 min
